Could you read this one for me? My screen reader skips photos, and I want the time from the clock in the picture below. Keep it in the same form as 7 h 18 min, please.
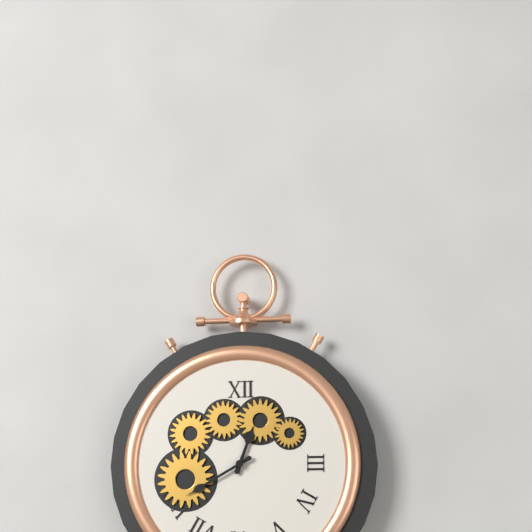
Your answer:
12 h 40 min
